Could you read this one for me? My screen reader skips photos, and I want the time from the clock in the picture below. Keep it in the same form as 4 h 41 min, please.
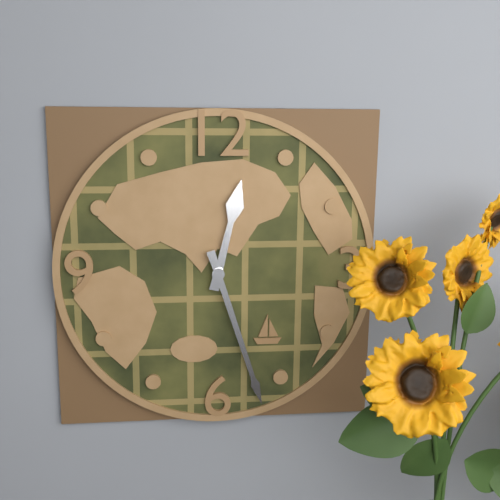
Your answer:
12 h 27 min
